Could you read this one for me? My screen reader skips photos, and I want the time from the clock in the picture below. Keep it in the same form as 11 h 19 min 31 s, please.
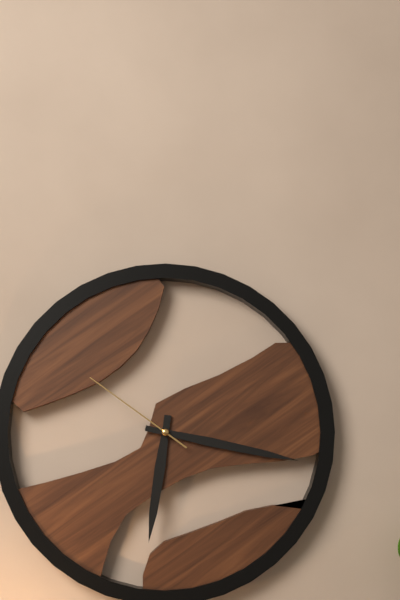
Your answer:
6 h 17 min 51 s
